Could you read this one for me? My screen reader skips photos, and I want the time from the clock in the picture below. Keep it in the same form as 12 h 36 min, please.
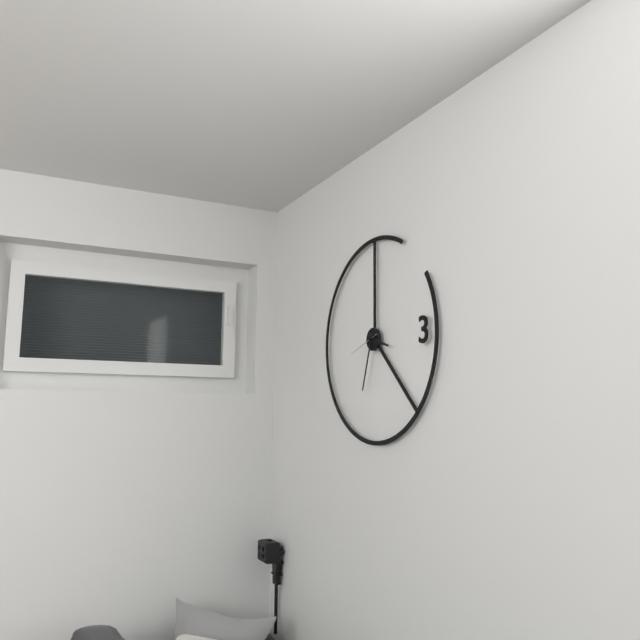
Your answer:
3 h 33 min
